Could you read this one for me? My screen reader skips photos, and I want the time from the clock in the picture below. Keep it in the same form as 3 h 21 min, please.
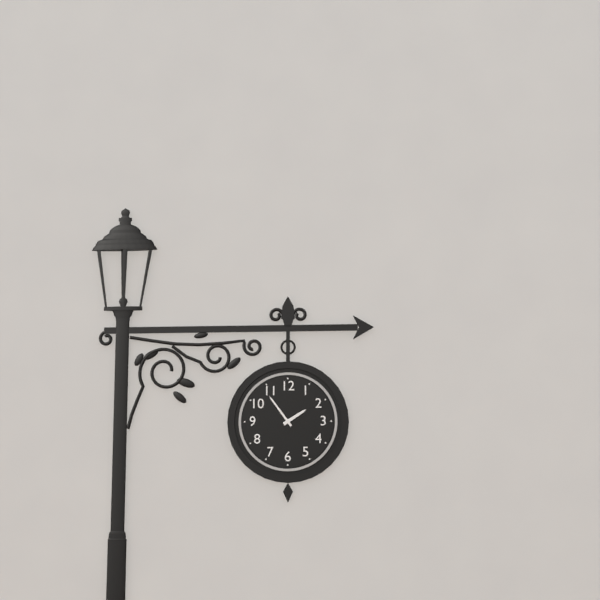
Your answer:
1 h 54 min
